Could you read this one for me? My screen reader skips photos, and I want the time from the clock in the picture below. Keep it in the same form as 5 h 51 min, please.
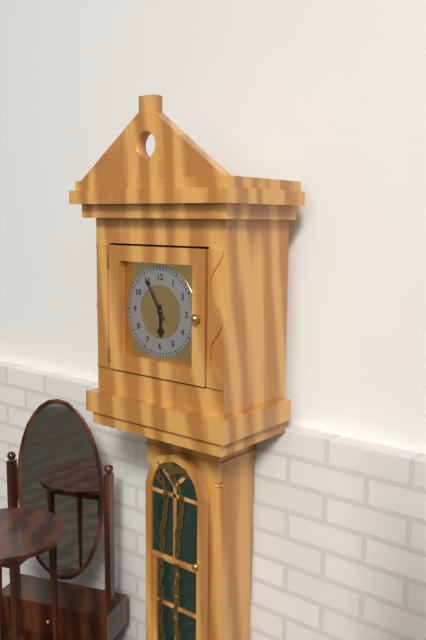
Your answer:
5 h 55 min
